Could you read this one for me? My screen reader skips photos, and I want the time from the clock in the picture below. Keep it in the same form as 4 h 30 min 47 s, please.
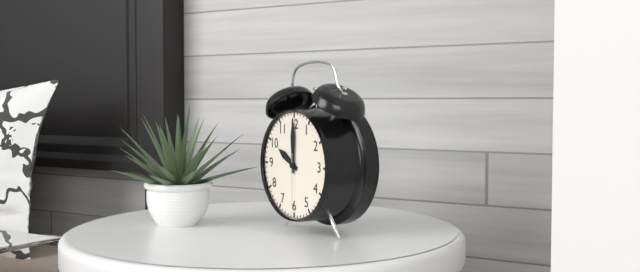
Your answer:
10 h 00 min 30 s
